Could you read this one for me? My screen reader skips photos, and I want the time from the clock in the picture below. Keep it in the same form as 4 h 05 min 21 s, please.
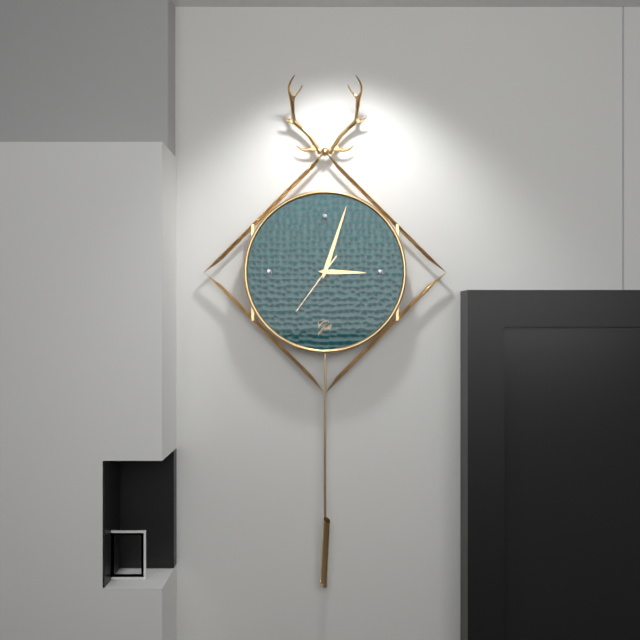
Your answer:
3 h 03 min 36 s
